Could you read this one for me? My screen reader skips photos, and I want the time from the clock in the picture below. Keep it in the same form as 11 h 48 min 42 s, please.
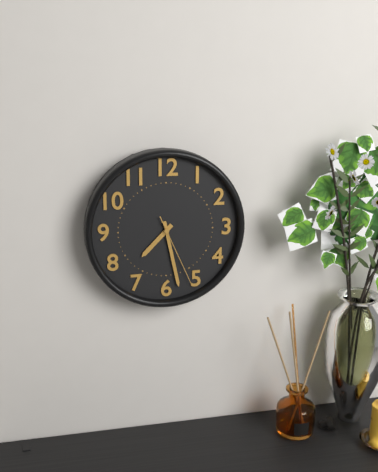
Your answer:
7 h 28 min 26 s
